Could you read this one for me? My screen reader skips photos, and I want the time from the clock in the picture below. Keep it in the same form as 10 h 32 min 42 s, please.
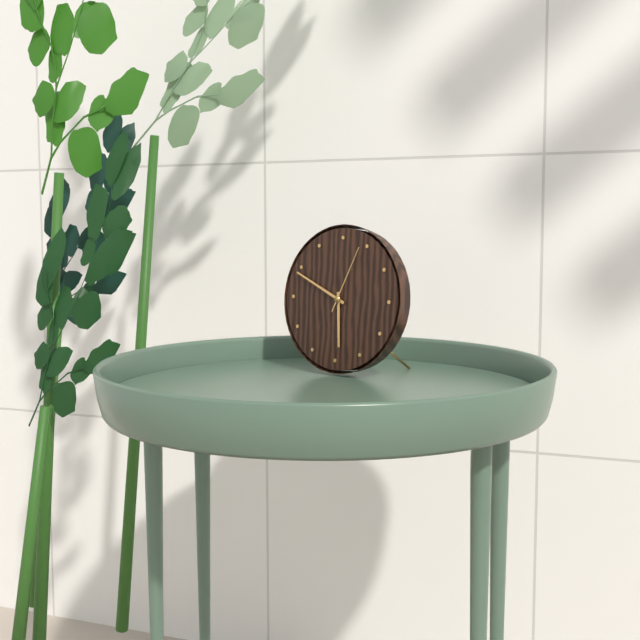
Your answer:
5 h 49 min 04 s
